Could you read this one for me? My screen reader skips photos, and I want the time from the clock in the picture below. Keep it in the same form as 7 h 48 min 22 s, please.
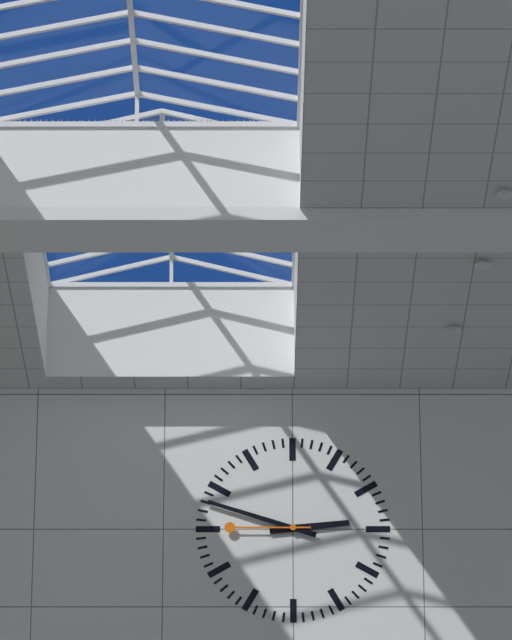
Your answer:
2 h 48 min 45 s
